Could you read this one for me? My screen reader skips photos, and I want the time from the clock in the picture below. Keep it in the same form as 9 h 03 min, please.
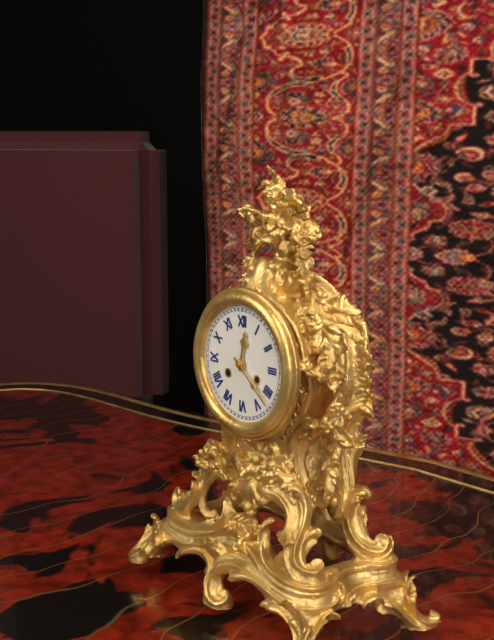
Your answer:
12 h 22 min
